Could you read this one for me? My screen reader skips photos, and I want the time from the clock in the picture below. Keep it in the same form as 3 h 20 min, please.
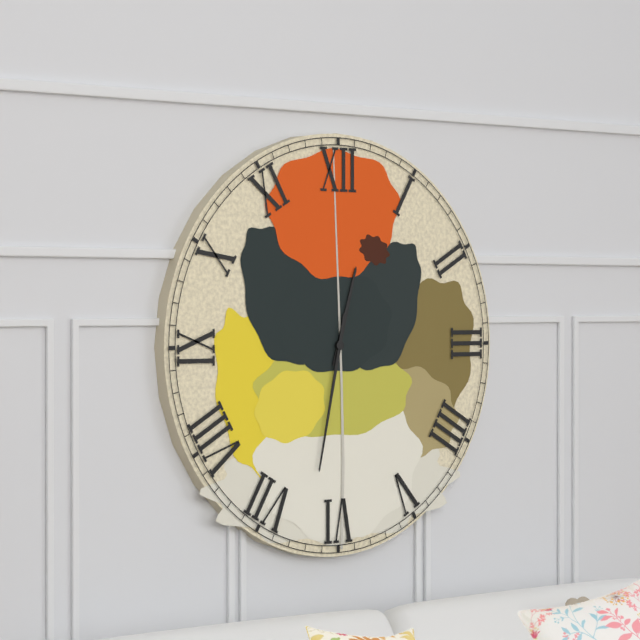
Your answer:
12 h 32 min
